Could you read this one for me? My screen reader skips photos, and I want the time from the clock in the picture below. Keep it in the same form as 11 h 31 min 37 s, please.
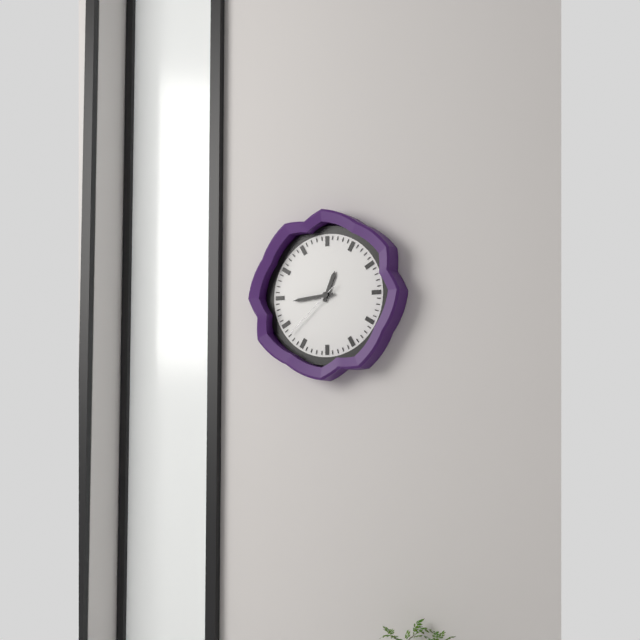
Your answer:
12 h 44 min 38 s
